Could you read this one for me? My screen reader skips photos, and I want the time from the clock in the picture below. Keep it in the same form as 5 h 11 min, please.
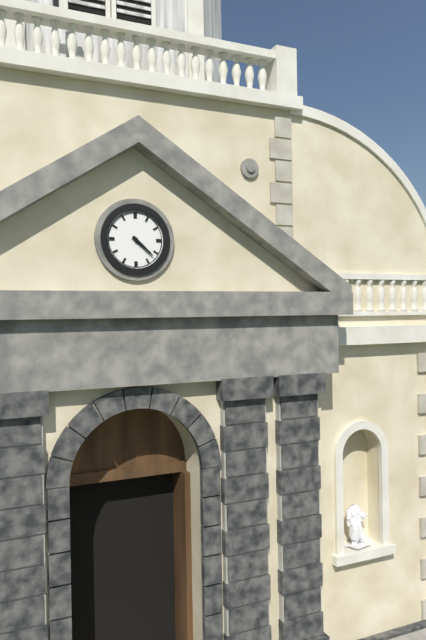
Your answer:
4 h 22 min
